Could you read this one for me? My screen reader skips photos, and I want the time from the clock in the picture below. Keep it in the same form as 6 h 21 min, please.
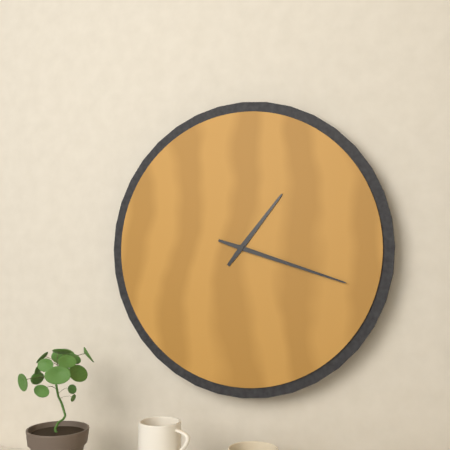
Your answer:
1 h 18 min
